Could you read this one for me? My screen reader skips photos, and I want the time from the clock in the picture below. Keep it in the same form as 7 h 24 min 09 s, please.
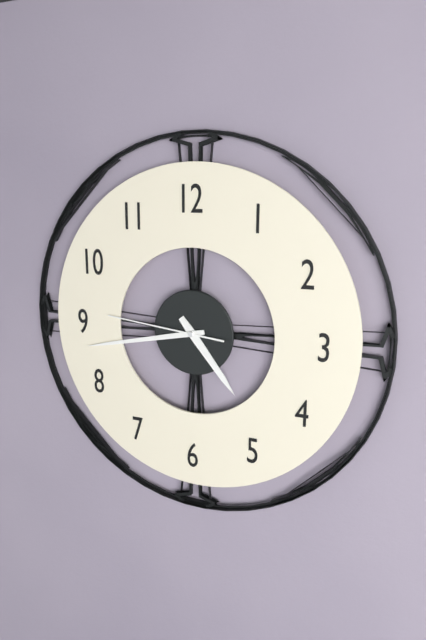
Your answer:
4 h 43 min 46 s
